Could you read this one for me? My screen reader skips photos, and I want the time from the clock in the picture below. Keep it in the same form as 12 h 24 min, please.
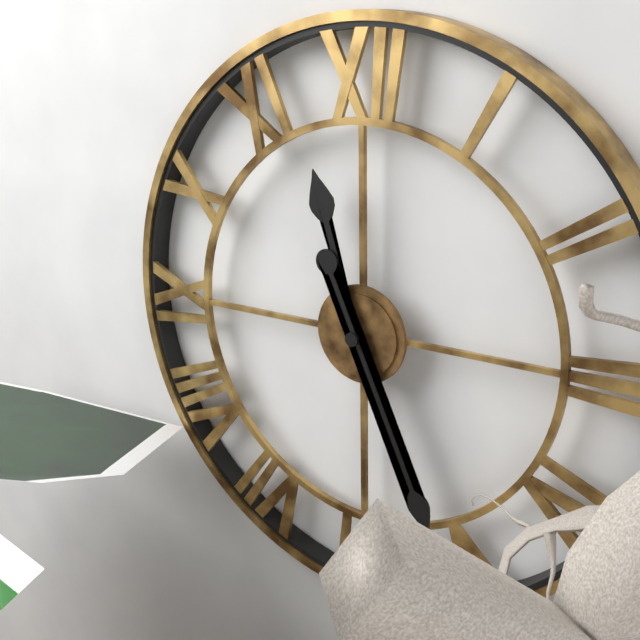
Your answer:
11 h 26 min
